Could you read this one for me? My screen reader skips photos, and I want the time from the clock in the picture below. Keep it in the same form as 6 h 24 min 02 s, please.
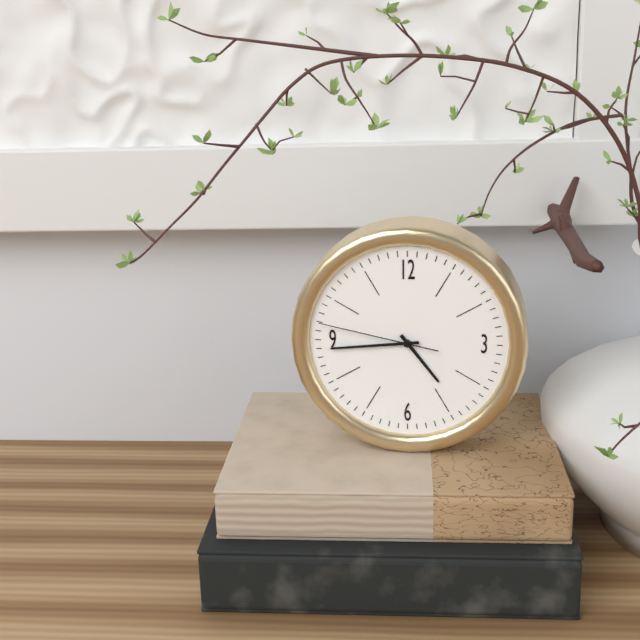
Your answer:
4 h 44 min 47 s
